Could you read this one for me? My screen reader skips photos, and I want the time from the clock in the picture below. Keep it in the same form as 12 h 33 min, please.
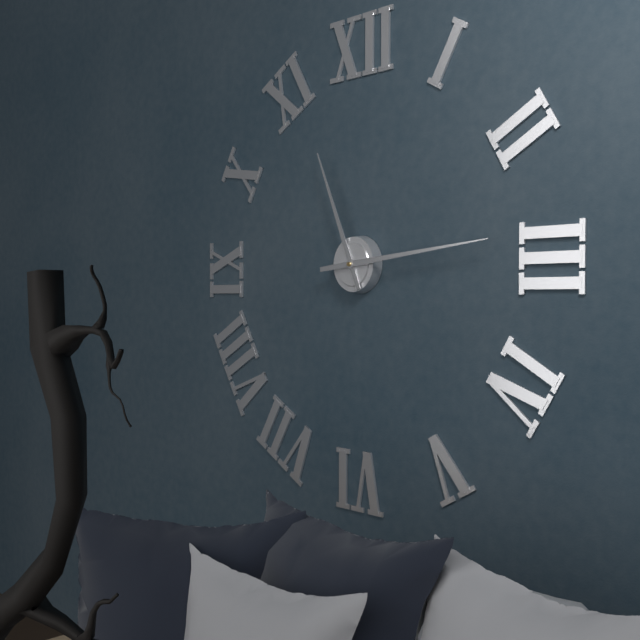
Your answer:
11 h 14 min
